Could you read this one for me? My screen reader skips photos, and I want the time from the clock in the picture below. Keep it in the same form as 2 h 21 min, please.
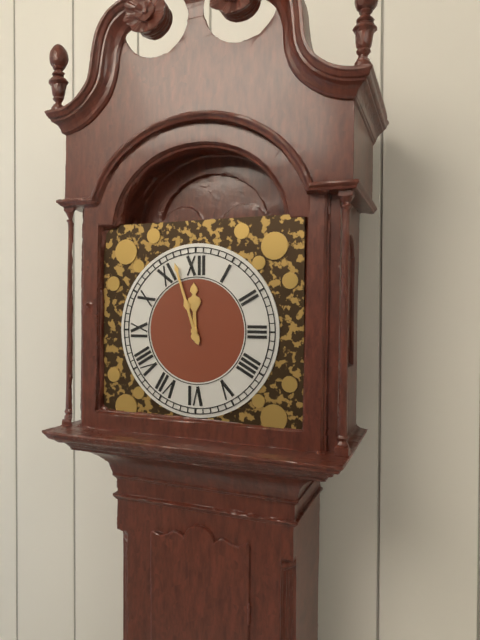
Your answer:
11 h 57 min
